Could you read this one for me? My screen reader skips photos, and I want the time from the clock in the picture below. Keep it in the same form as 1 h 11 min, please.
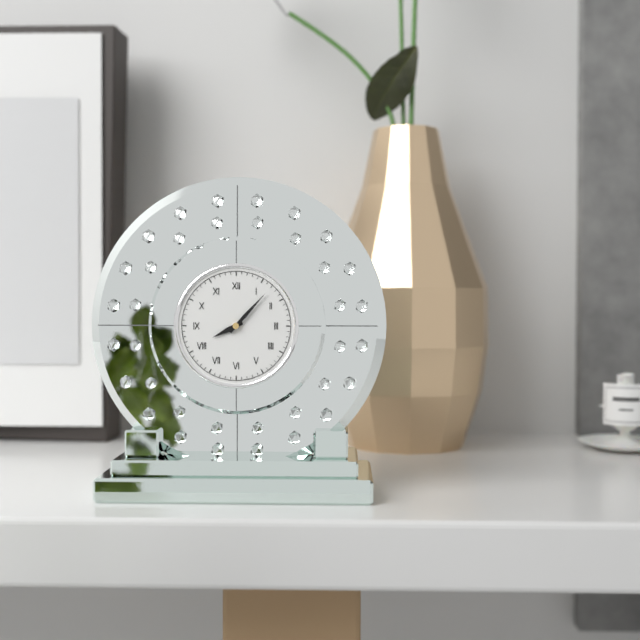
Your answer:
8 h 07 min
